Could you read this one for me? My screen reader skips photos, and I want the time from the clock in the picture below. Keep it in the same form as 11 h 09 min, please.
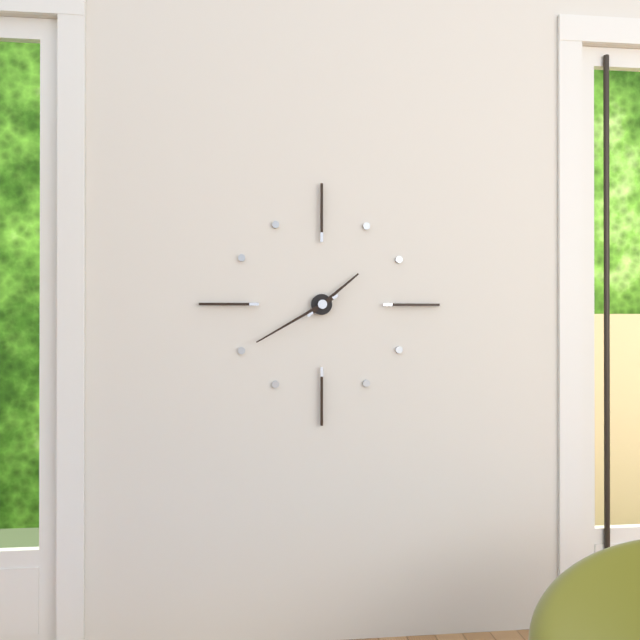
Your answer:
1 h 40 min
